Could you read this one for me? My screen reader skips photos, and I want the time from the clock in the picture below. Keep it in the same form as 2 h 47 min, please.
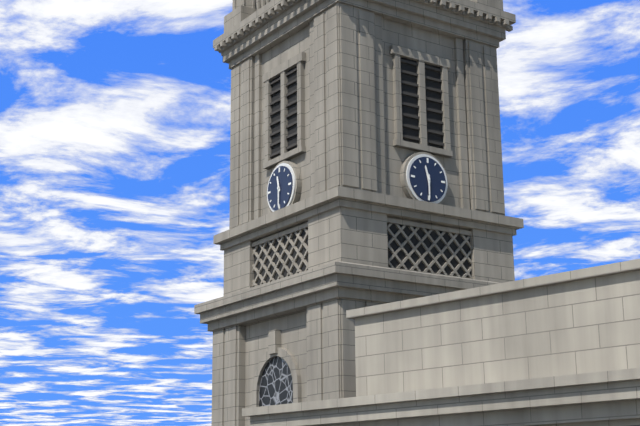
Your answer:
11 h 30 min
